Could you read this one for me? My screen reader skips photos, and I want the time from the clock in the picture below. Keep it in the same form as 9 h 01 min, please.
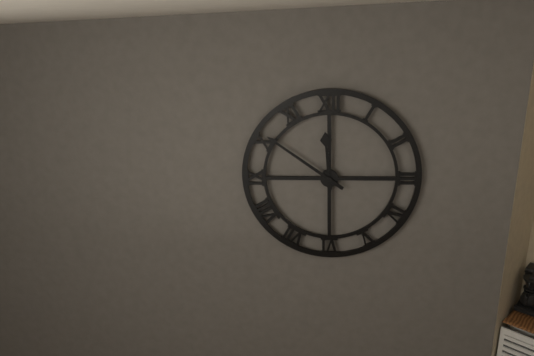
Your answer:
11 h 51 min
